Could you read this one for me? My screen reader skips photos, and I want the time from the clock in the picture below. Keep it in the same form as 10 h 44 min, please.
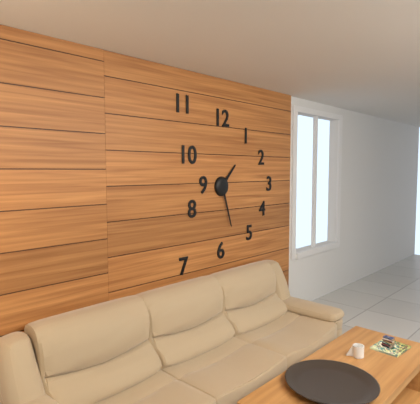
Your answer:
1 h 27 min
